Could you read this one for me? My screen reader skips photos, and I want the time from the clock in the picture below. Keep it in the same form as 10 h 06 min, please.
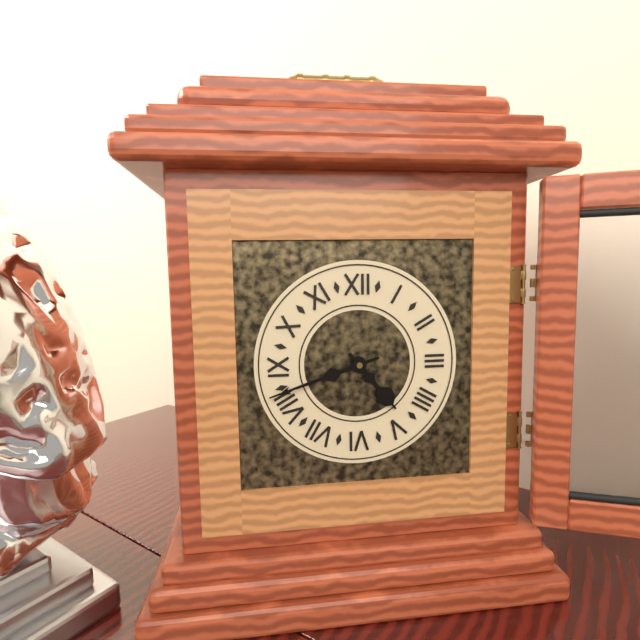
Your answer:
4 h 42 min
